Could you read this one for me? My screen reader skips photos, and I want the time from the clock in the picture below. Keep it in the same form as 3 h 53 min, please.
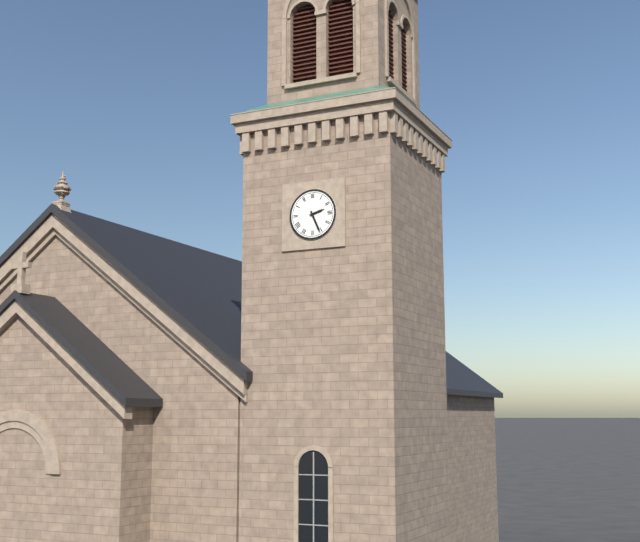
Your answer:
2 h 26 min
